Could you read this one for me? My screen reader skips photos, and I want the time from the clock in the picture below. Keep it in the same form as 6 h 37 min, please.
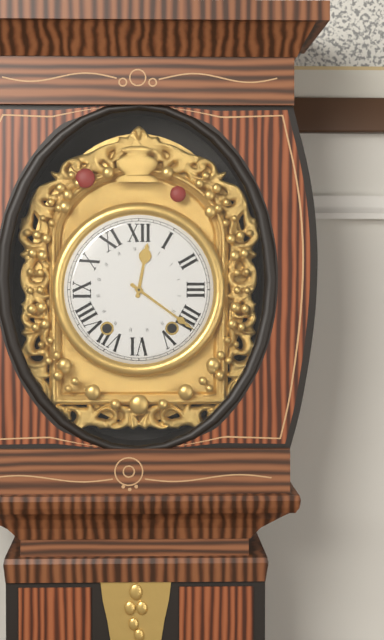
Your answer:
12 h 21 min
